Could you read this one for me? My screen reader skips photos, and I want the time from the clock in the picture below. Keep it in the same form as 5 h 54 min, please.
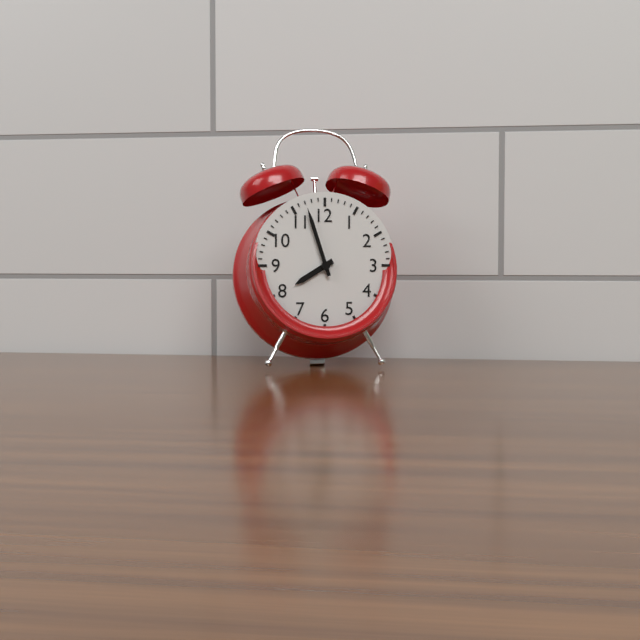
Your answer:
7 h 57 min
